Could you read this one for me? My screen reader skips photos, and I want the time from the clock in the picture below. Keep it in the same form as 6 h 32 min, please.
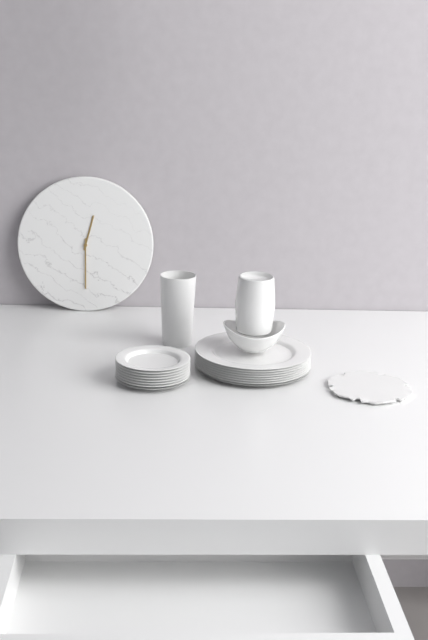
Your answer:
12 h 30 min
